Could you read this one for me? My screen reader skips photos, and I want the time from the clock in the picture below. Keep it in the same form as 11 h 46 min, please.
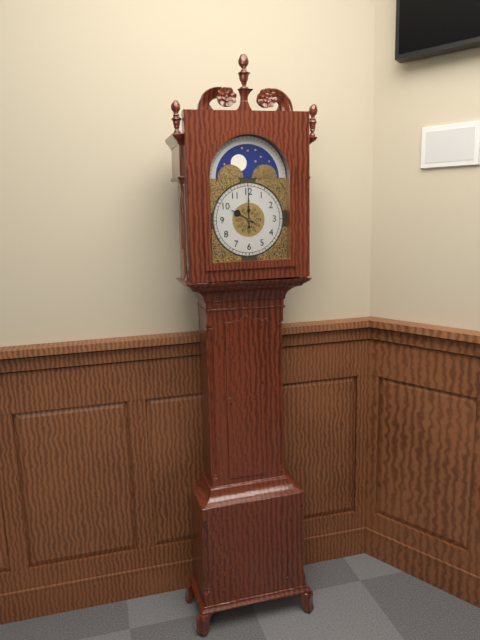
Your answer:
10 h 00 min
